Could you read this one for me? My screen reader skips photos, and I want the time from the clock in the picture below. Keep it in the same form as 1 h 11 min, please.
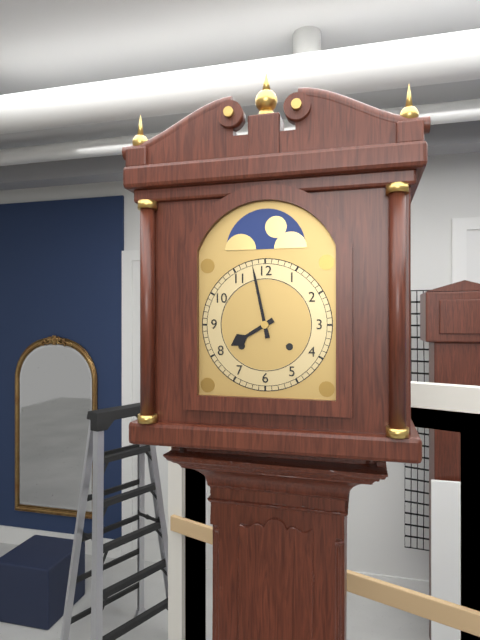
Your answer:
7 h 58 min
